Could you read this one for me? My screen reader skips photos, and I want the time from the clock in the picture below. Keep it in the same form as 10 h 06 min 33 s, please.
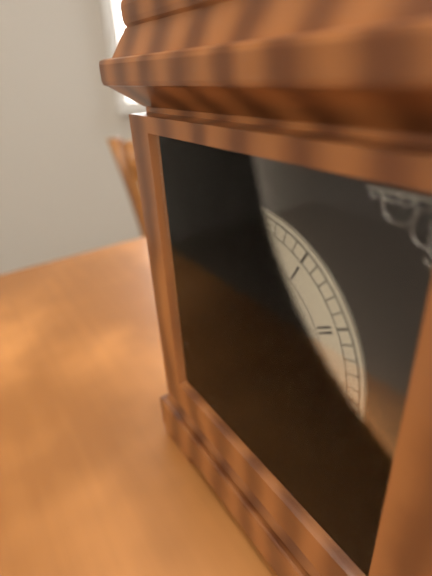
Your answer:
4 h 30 min 23 s
